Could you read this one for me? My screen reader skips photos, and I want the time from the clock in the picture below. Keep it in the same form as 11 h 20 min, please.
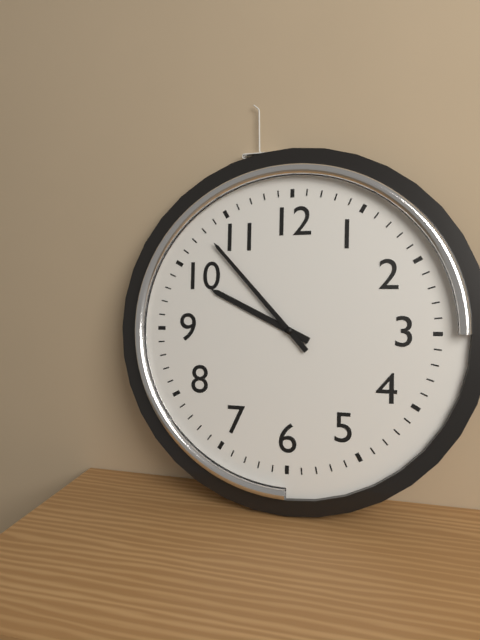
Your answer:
9 h 53 min
